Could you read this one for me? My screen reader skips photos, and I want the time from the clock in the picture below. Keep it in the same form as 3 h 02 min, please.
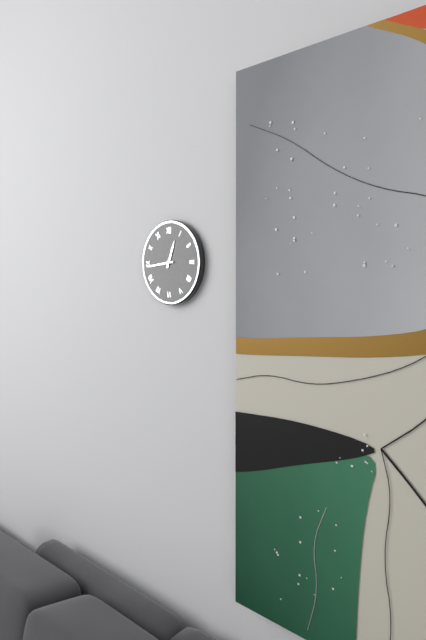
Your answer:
12 h 44 min
